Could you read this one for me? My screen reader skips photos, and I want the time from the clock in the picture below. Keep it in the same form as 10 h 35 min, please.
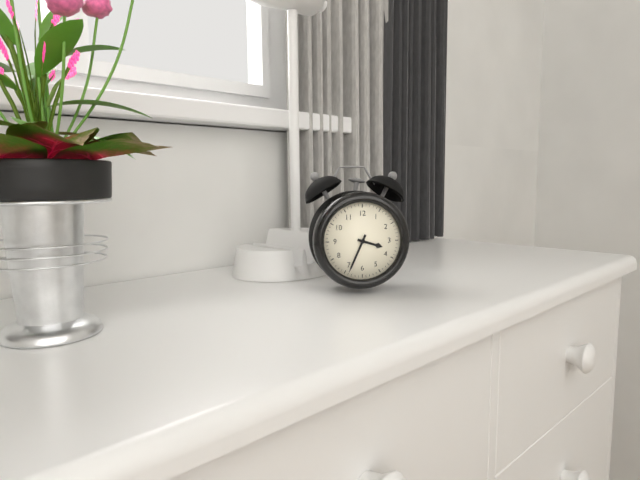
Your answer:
3 h 34 min
